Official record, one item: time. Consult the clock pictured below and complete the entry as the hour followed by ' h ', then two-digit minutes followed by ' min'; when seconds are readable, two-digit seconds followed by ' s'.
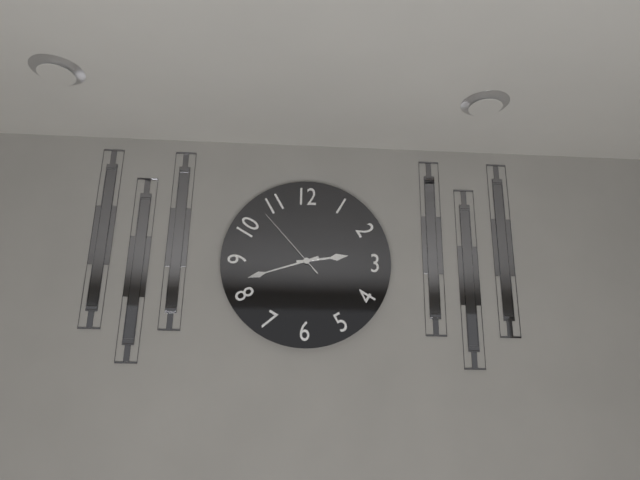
2 h 42 min 53 s
